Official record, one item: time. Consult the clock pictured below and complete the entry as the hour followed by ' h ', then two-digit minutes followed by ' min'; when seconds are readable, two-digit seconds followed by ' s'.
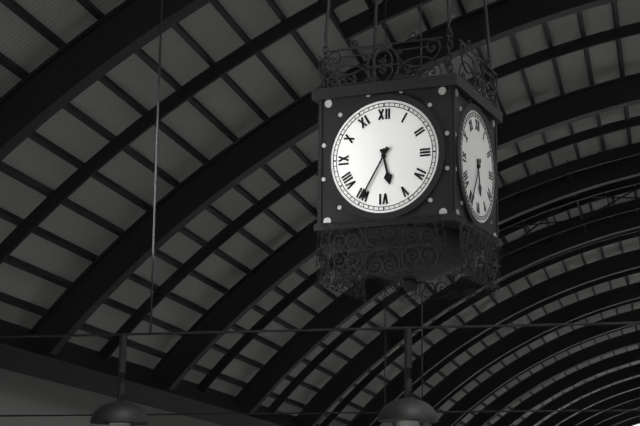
5 h 35 min
